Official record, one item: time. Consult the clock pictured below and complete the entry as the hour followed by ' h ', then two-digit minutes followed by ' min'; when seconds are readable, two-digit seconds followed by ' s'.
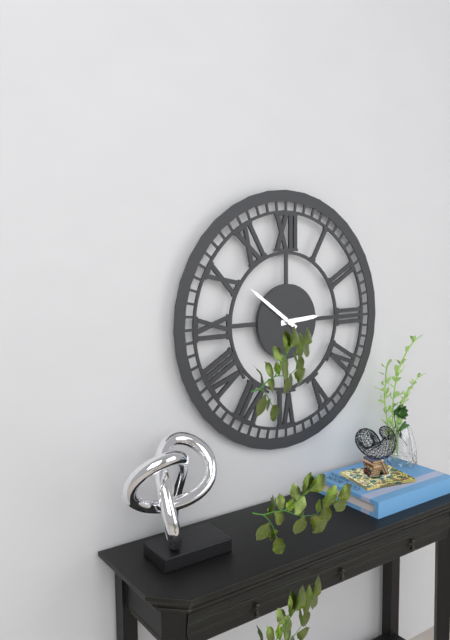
2 h 51 min
